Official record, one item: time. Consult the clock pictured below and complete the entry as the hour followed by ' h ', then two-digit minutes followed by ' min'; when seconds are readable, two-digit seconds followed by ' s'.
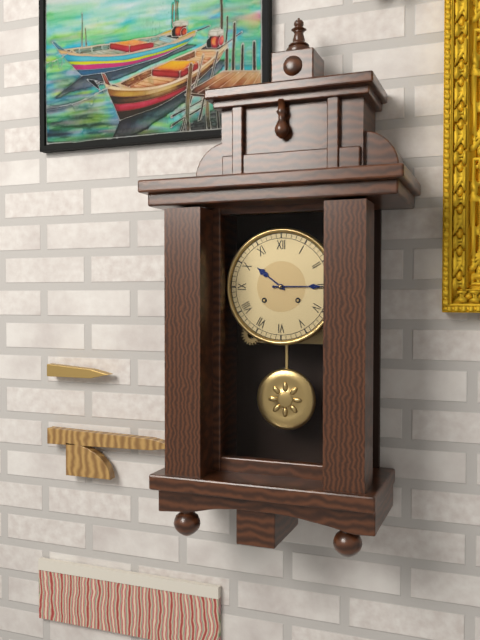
10 h 15 min
